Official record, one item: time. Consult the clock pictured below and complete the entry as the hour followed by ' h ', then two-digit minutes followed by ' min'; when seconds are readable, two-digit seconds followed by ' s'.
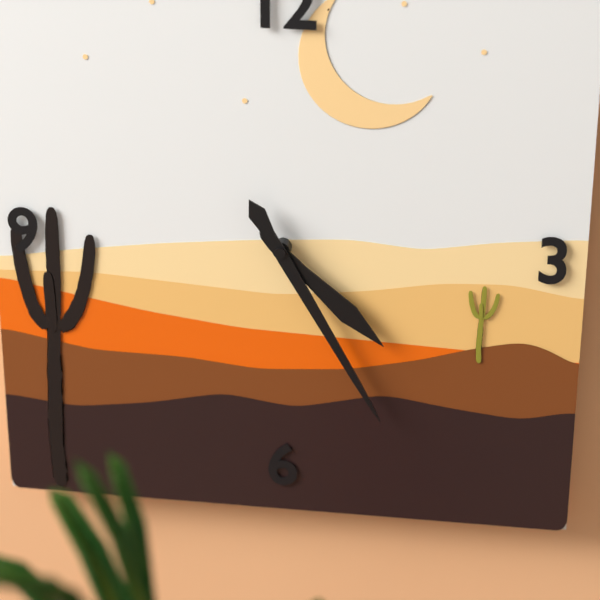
4 h 25 min
